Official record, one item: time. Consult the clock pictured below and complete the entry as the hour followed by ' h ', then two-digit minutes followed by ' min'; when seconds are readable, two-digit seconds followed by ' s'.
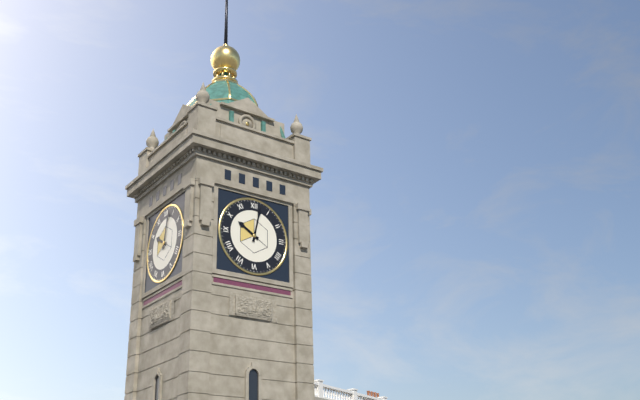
10 h 02 min
